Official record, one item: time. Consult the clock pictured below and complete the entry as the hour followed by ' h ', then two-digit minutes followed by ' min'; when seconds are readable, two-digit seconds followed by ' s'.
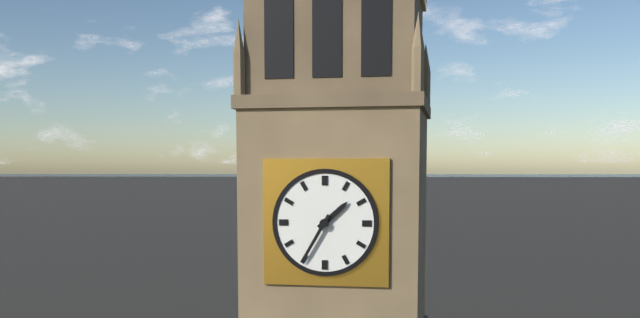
1 h 35 min
